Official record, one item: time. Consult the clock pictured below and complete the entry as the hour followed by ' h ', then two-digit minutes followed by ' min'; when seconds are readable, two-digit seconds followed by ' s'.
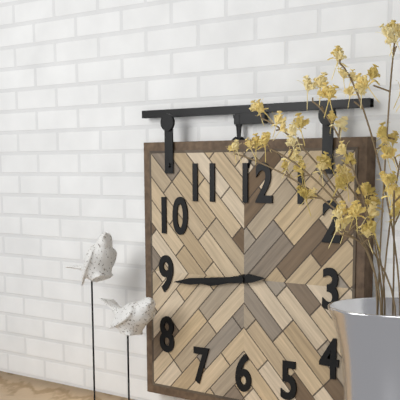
8 h 44 min
